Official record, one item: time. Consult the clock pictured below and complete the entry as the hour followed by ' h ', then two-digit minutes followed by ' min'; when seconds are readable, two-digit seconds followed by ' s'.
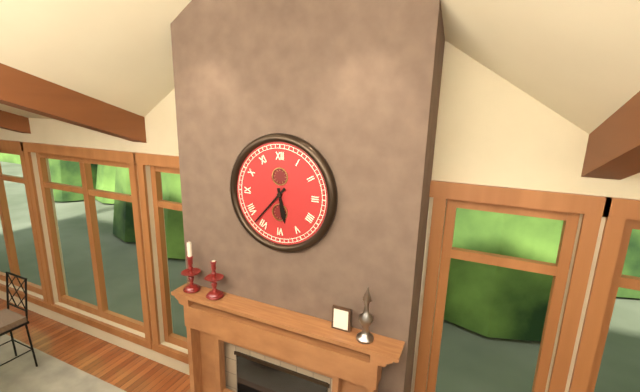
5 h 37 min
